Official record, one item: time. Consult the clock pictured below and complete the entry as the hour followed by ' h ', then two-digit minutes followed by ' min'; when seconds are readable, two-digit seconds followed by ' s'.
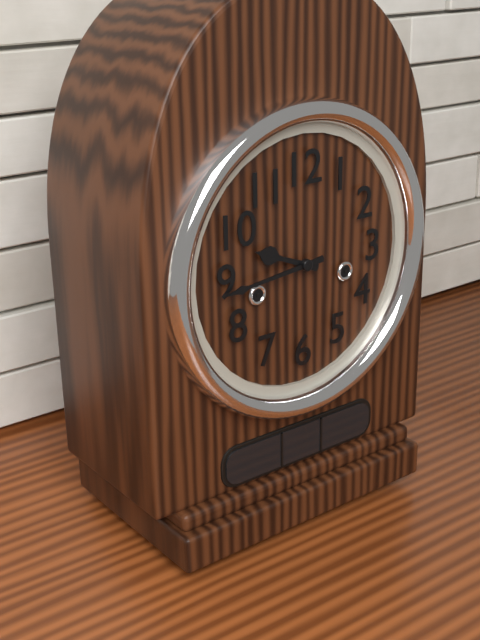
9 h 44 min
